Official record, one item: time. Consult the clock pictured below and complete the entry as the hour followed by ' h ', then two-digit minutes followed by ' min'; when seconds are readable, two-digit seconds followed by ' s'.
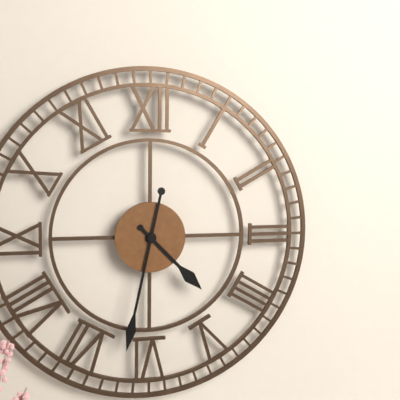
4 h 32 min
